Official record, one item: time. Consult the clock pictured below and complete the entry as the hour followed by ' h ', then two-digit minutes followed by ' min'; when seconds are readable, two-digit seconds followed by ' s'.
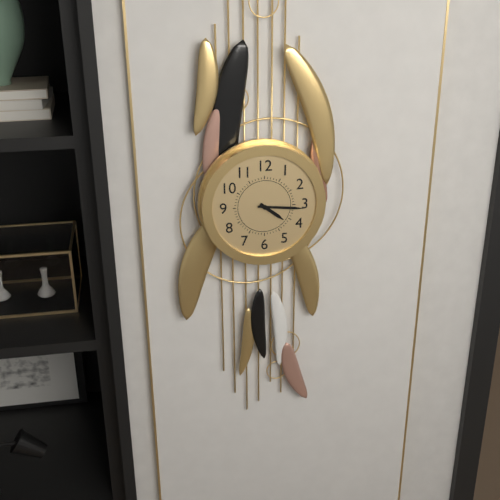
4 h 16 min
